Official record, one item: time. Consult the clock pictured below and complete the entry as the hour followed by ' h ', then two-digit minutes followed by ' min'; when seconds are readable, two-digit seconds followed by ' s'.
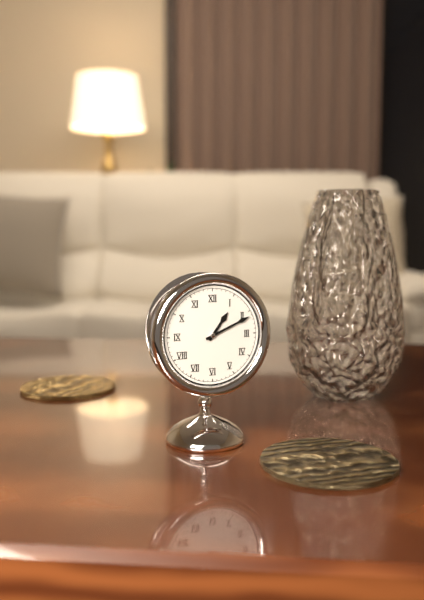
1 h 11 min
